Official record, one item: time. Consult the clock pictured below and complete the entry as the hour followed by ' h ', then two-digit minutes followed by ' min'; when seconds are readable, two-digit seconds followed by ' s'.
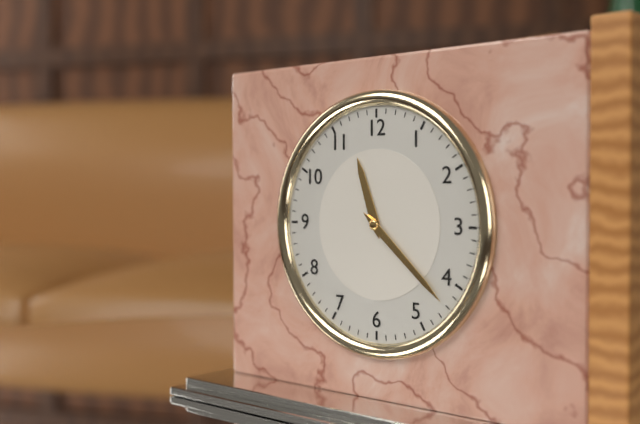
11 h 22 min
